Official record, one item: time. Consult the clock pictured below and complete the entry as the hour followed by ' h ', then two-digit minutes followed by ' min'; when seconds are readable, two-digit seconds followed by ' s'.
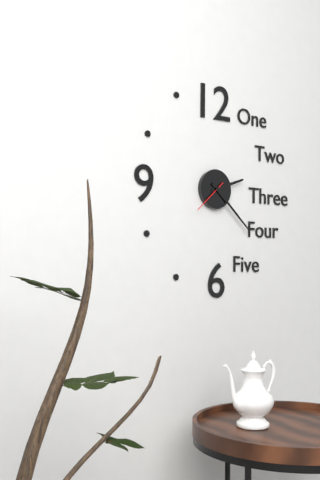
2 h 22 min
